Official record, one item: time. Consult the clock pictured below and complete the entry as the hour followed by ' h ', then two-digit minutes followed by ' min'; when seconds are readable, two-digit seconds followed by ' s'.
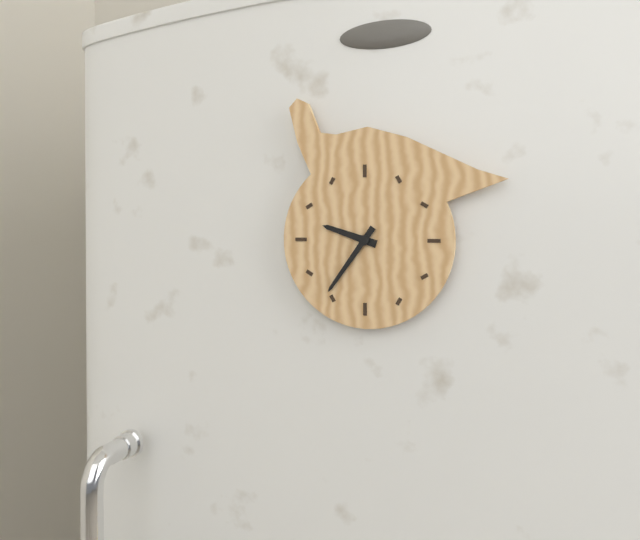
9 h 36 min
